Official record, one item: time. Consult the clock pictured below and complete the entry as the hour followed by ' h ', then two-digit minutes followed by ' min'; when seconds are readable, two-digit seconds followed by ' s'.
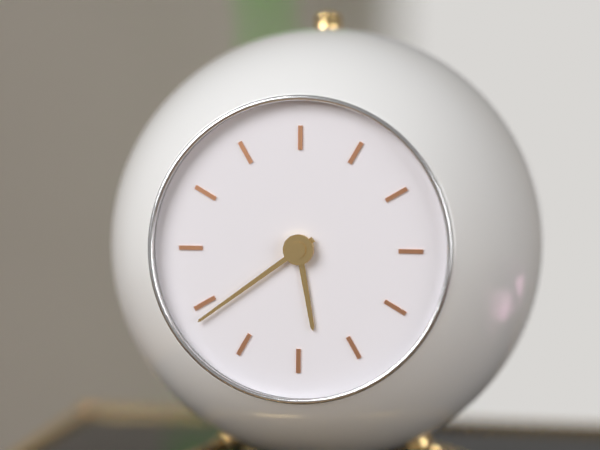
5 h 39 min
